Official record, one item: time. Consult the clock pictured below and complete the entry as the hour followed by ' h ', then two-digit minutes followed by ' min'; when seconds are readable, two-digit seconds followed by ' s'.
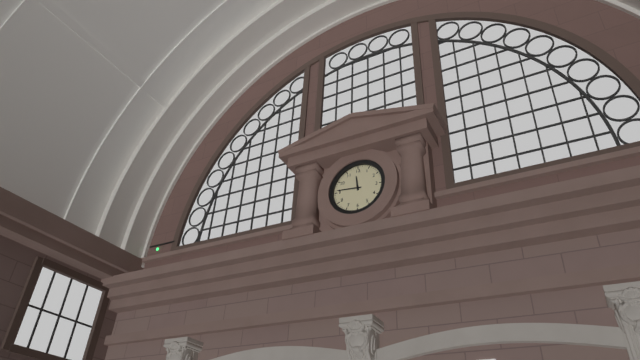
11 h 46 min
